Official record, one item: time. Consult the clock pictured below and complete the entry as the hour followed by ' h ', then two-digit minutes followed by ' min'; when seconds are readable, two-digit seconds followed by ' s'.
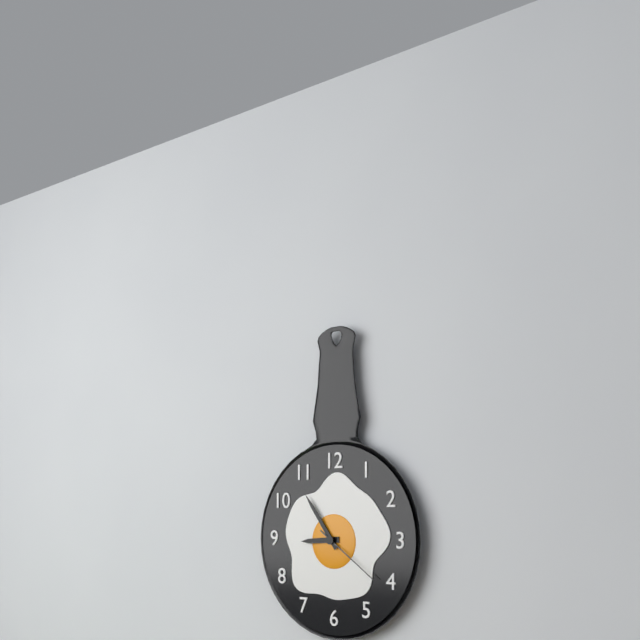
8 h 54 min 21 s
